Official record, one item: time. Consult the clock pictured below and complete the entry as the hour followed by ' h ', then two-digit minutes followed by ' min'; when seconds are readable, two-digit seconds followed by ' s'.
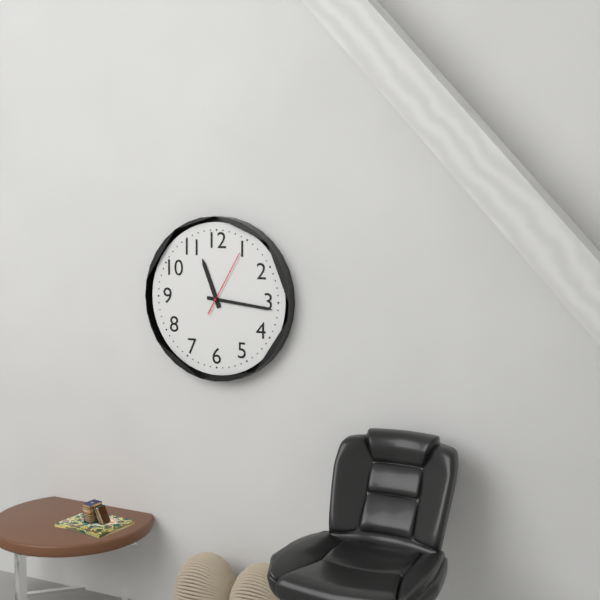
11 h 16 min 05 s
